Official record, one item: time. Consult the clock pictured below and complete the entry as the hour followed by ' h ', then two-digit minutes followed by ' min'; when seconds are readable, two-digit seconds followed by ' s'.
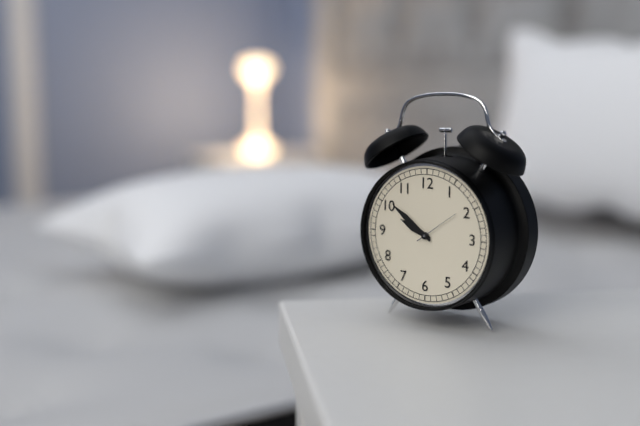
9 h 51 min
